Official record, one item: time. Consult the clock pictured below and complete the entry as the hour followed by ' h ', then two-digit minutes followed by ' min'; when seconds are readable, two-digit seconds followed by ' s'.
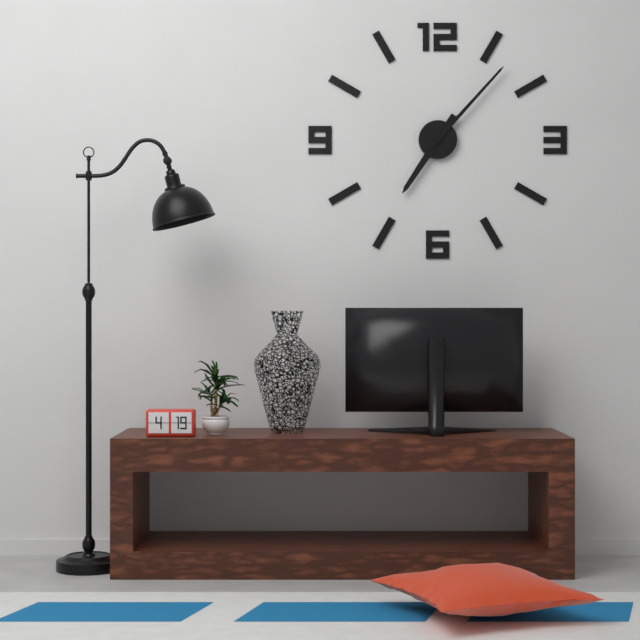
7 h 07 min
